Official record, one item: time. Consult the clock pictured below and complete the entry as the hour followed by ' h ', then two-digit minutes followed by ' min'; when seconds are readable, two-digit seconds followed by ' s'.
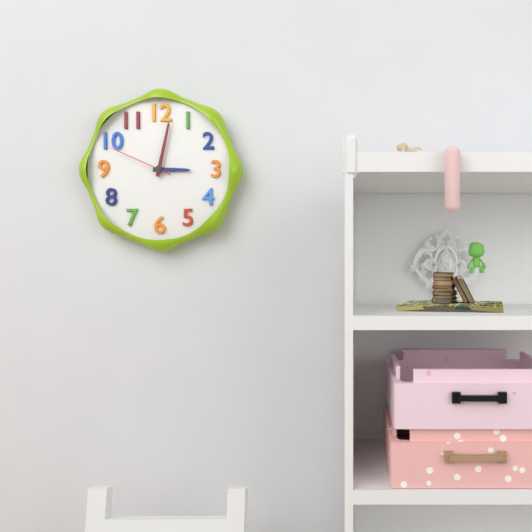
3 h 02 min 49 s
